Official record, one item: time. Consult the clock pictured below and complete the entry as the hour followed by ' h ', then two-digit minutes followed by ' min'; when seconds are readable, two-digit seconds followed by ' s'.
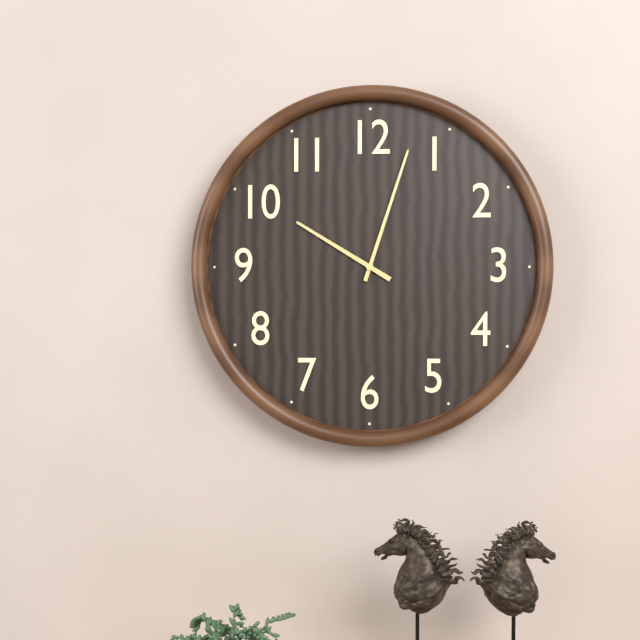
10 h 03 min
